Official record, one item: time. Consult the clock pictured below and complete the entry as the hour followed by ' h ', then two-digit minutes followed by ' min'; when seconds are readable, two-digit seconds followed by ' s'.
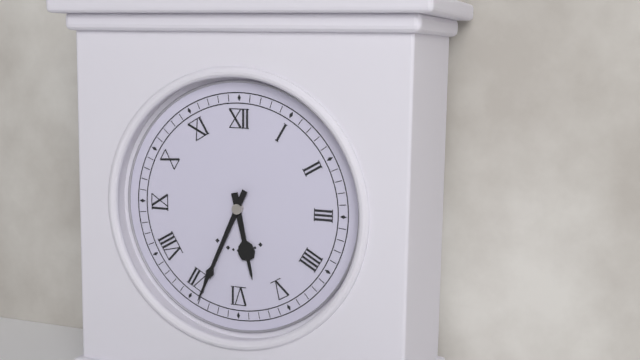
5 h 34 min
